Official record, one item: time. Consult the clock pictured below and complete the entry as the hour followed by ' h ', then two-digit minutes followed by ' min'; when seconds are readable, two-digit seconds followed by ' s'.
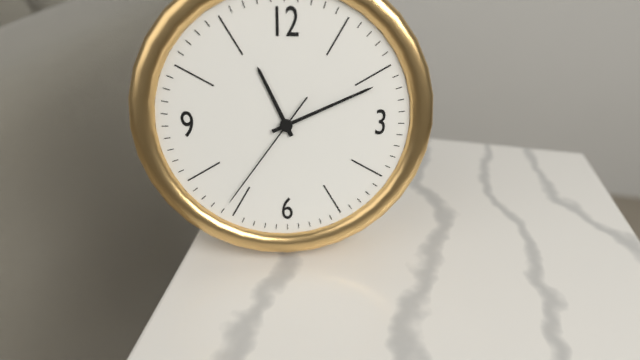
11 h 11 min 36 s
